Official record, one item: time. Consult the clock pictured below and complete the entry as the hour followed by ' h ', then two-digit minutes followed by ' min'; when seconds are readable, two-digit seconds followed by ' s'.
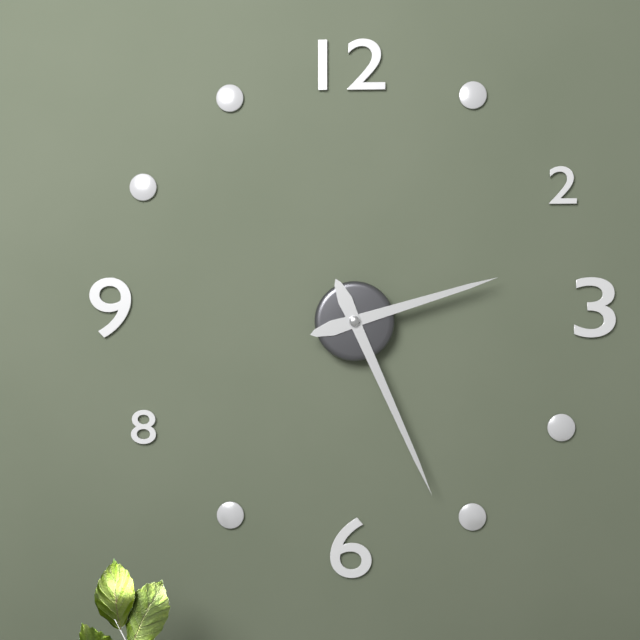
2 h 26 min
